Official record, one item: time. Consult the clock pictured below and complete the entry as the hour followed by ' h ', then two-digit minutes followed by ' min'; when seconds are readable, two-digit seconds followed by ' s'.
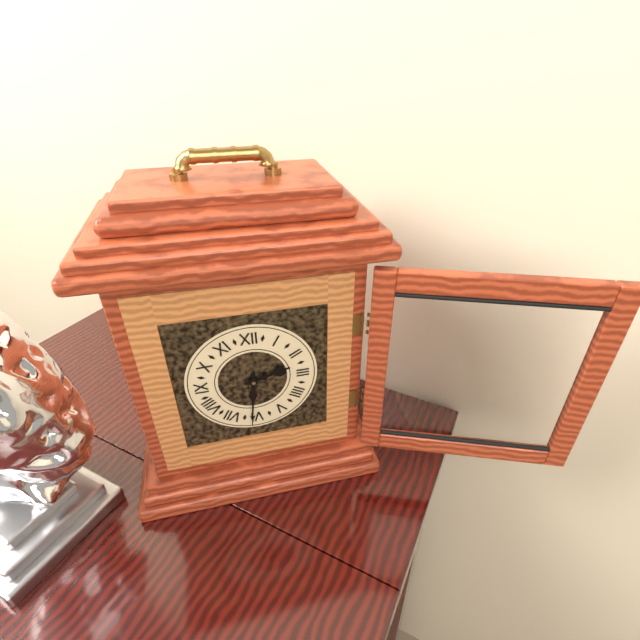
2 h 31 min
